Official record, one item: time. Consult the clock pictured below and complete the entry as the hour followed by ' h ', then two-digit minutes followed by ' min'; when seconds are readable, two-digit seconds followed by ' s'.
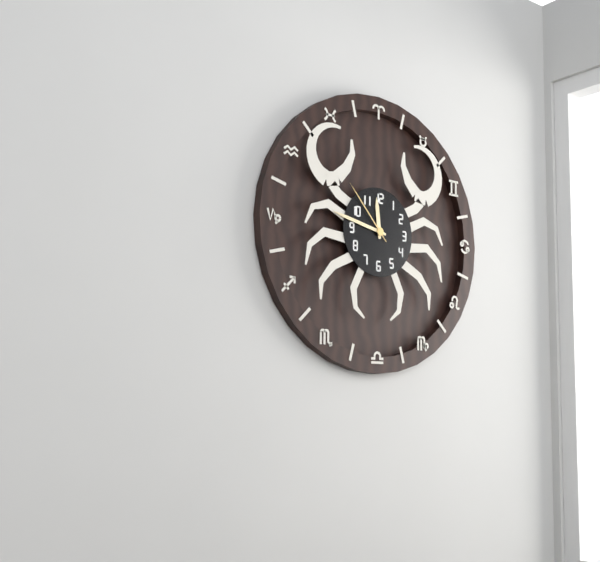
11 h 47 min 53 s
